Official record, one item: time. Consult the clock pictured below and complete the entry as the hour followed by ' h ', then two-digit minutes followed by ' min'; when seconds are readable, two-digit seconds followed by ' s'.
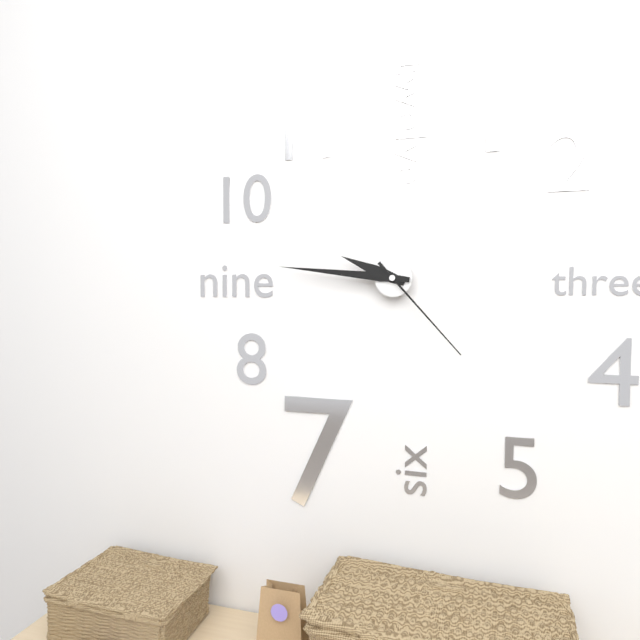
9 h 46 min 23 s
